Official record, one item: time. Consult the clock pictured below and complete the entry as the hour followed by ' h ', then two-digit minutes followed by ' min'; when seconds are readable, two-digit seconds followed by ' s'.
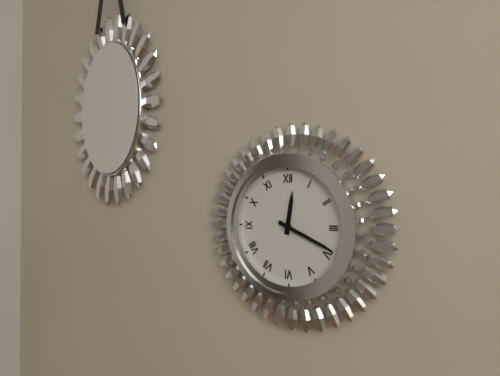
12 h 19 min
